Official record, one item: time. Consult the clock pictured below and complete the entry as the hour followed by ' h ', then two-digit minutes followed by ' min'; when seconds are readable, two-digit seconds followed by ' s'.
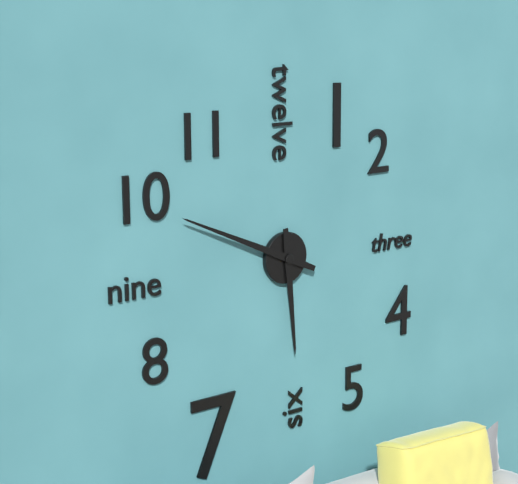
5 h 49 min
